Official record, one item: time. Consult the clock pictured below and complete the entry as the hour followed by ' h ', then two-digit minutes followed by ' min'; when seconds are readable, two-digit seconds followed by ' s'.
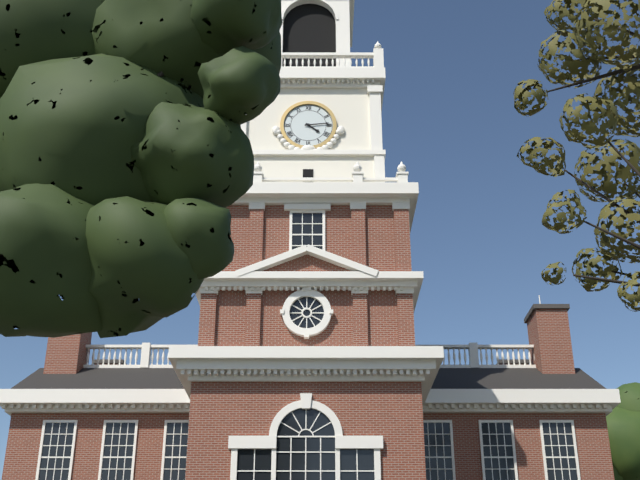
4 h 14 min
